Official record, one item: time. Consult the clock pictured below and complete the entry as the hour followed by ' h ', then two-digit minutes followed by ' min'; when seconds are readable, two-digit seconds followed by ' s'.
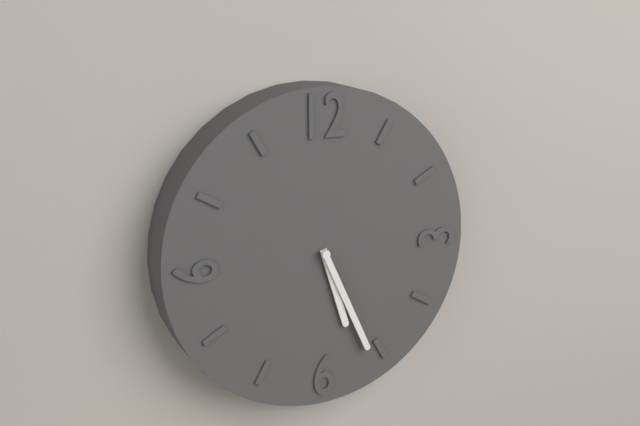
5 h 26 min
